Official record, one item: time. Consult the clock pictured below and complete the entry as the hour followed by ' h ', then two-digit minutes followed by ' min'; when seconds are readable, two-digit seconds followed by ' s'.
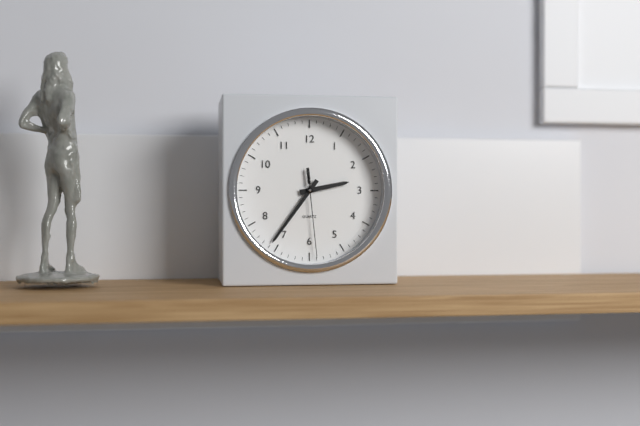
2 h 36 min 29 s
